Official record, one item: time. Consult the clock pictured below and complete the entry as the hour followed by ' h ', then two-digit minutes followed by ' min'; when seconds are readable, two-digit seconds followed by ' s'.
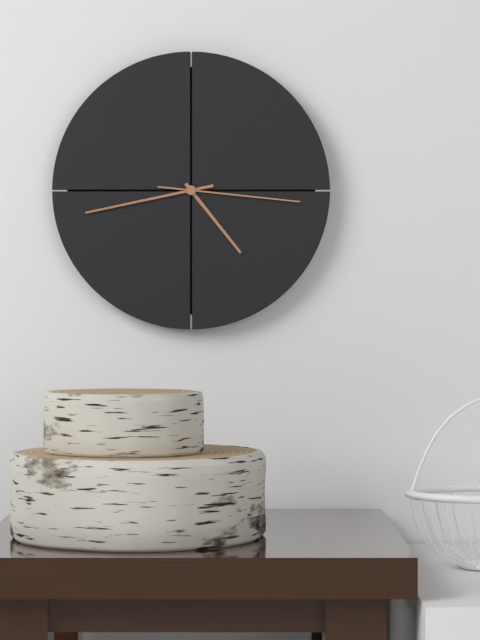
4 h 43 min 16 s
